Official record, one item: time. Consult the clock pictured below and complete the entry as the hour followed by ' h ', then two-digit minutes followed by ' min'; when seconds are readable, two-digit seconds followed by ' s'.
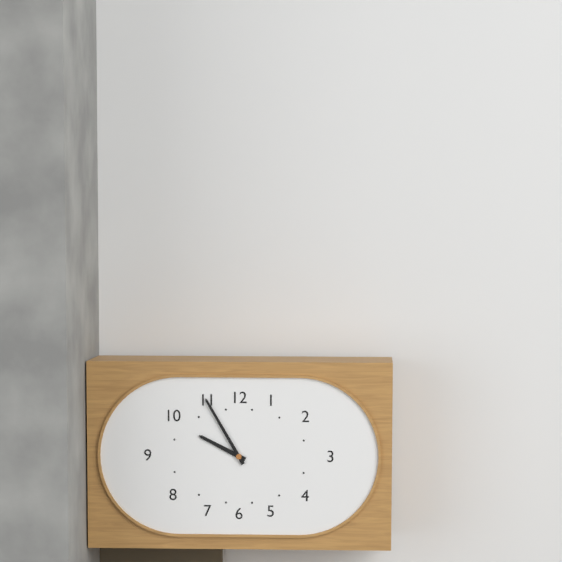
9 h 55 min
